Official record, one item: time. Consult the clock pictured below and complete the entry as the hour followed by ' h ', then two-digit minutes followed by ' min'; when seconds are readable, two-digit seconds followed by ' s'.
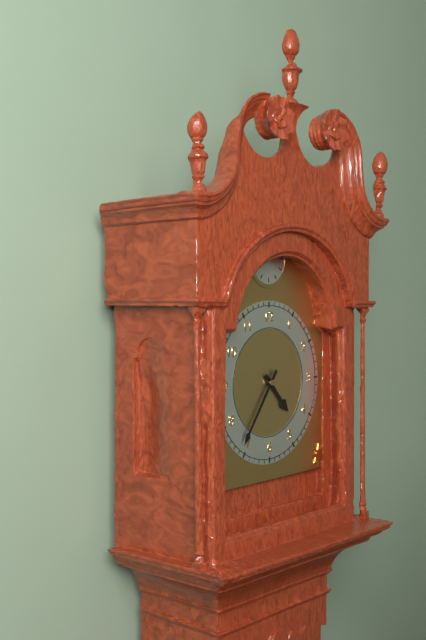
4 h 36 min
